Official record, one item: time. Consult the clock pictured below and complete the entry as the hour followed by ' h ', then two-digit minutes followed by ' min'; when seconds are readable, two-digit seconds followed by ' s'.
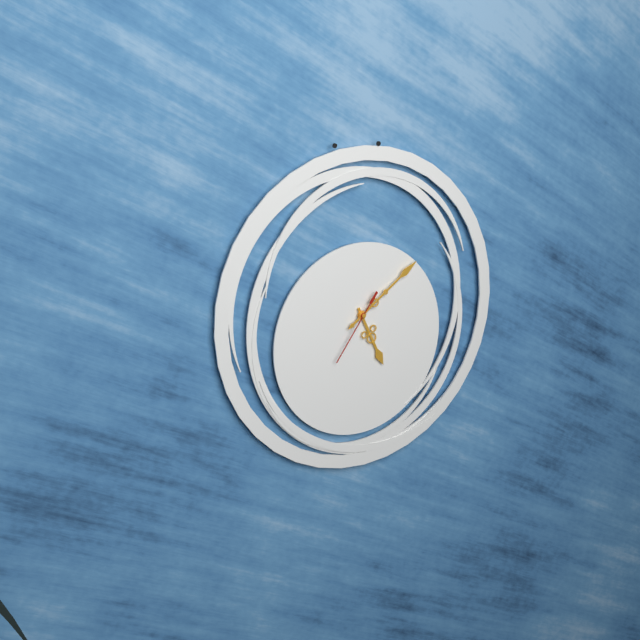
5 h 09 min 36 s
